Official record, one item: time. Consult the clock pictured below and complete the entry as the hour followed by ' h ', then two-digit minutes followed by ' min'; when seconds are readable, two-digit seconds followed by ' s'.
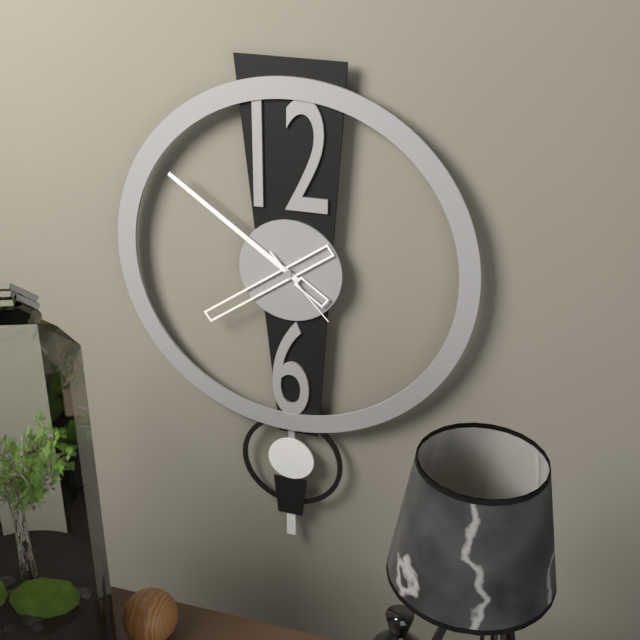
7 h 51 min 23 s
